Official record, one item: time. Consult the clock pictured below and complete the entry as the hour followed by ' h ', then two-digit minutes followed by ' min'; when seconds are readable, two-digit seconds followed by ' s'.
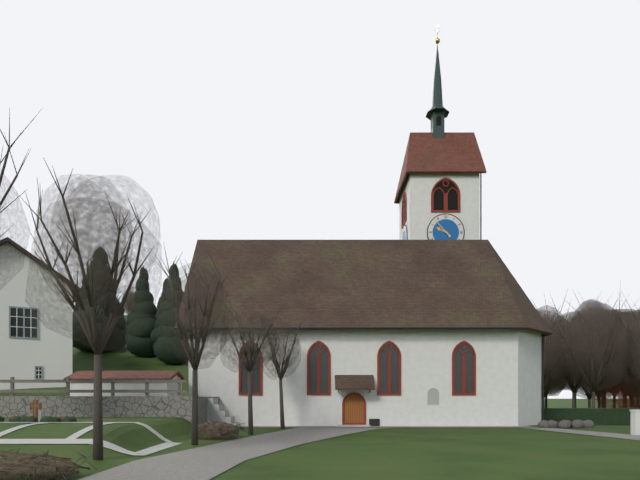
9 h 53 min
